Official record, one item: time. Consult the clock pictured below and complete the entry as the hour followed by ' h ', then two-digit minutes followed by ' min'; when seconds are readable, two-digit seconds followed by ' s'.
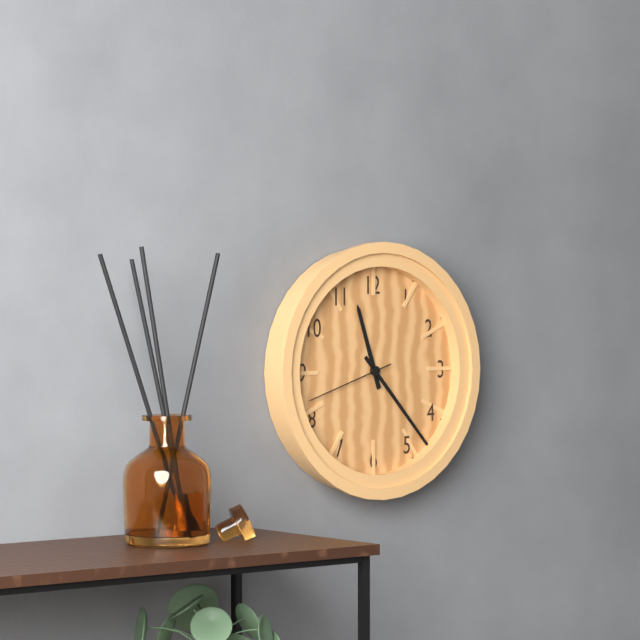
11 h 23 min 42 s
